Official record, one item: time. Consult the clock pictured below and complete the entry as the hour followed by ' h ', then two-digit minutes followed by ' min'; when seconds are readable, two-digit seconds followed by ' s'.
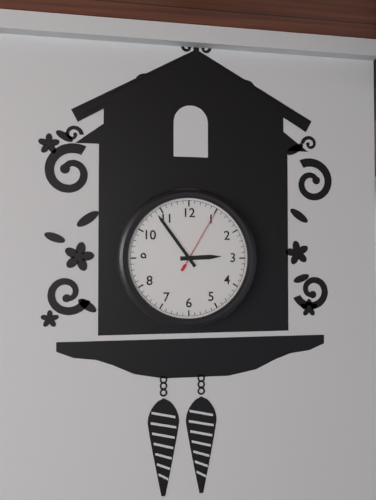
2 h 54 min 05 s
